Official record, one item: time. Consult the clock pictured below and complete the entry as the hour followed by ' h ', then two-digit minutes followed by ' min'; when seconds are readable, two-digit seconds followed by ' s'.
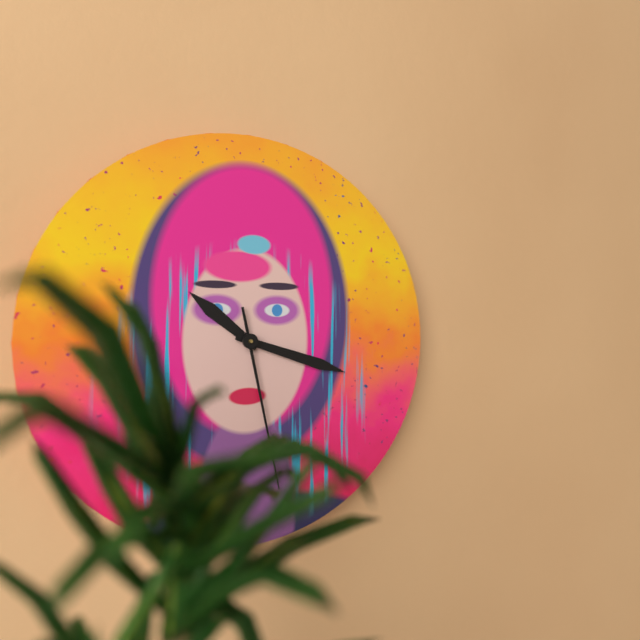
10 h 18 min 28 s
